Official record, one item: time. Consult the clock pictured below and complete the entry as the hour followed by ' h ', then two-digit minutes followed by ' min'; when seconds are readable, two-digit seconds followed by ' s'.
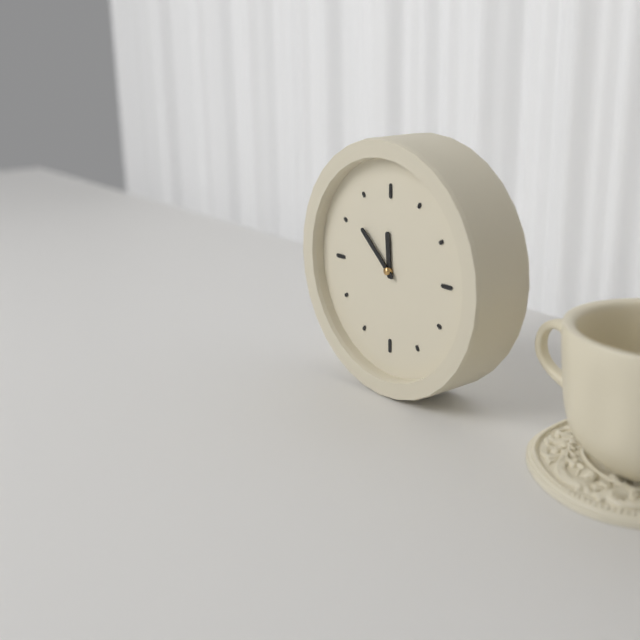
11 h 52 min
